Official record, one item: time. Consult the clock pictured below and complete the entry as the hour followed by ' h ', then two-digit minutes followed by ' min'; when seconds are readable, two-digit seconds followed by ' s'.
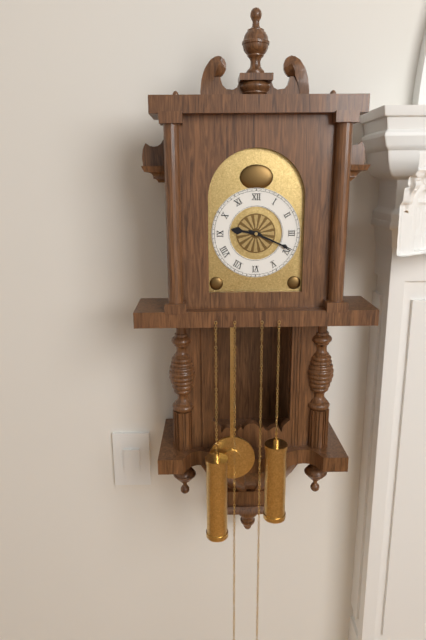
9 h 19 min
